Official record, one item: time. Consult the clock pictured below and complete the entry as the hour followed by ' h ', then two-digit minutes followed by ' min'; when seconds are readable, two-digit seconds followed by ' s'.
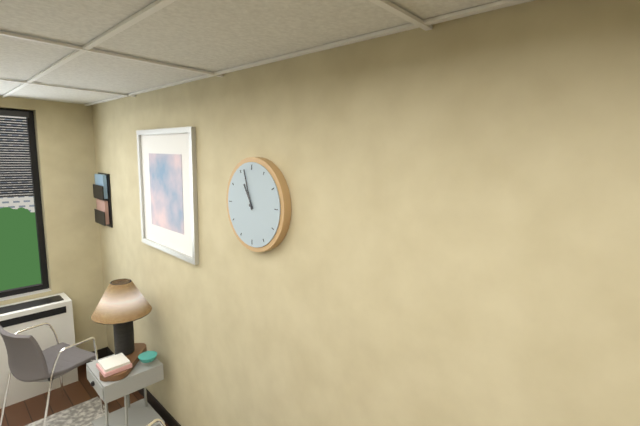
10 h 57 min
